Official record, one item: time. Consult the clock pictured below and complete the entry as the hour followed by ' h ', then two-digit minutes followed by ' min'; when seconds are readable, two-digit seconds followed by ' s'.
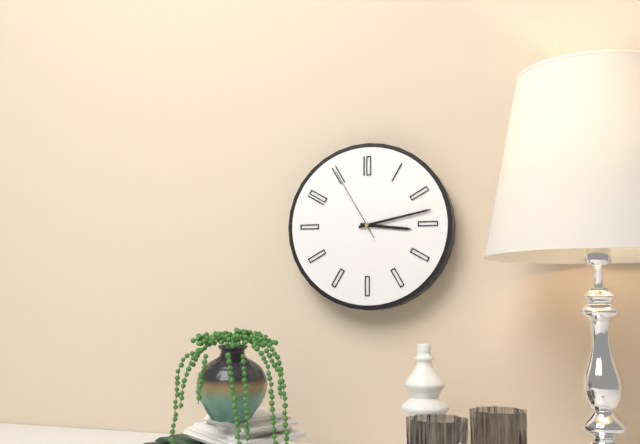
3 h 13 min 55 s
